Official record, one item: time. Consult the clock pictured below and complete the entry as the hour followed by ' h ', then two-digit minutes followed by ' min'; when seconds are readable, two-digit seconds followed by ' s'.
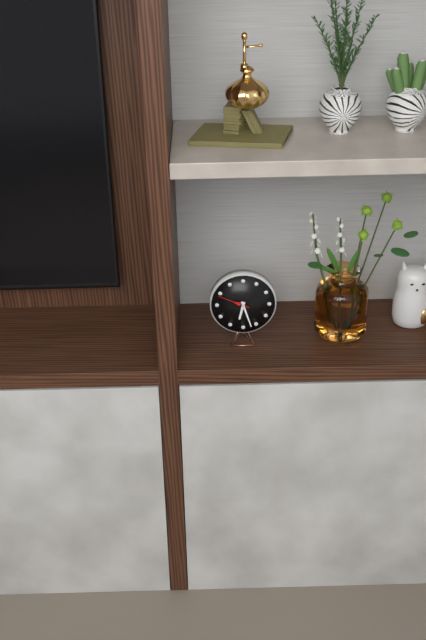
6 h 27 min
